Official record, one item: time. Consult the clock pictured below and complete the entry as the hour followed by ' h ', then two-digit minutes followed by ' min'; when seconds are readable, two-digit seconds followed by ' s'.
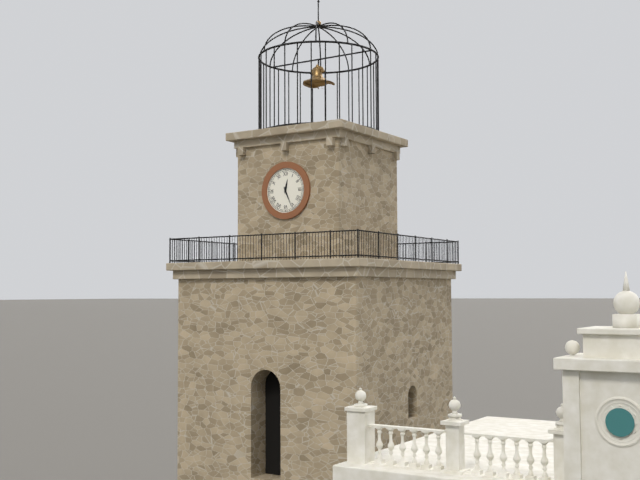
12 h 26 min
